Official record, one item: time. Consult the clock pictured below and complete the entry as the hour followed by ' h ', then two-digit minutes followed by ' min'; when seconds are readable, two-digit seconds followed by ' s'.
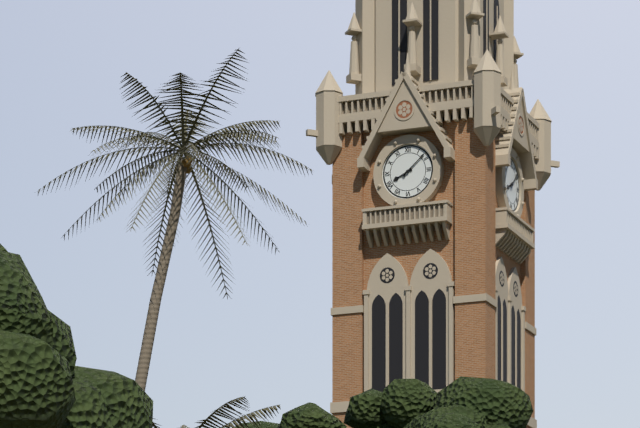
8 h 08 min
